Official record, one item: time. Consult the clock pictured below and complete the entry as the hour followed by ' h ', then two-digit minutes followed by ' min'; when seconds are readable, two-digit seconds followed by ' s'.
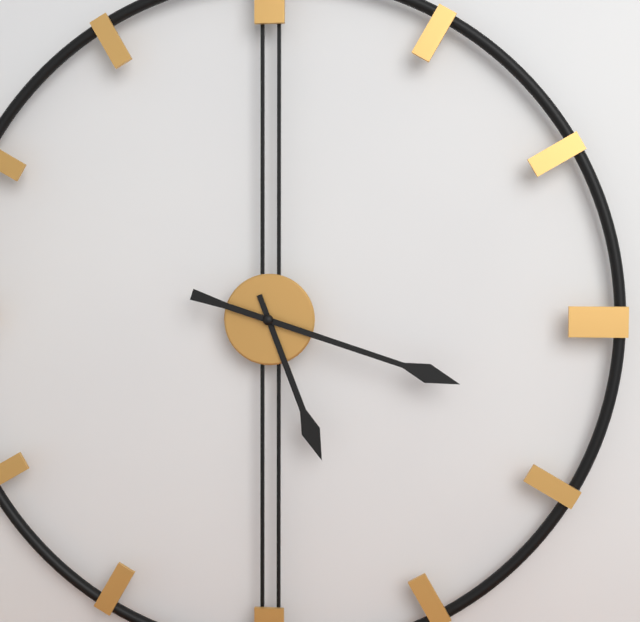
5 h 18 min
